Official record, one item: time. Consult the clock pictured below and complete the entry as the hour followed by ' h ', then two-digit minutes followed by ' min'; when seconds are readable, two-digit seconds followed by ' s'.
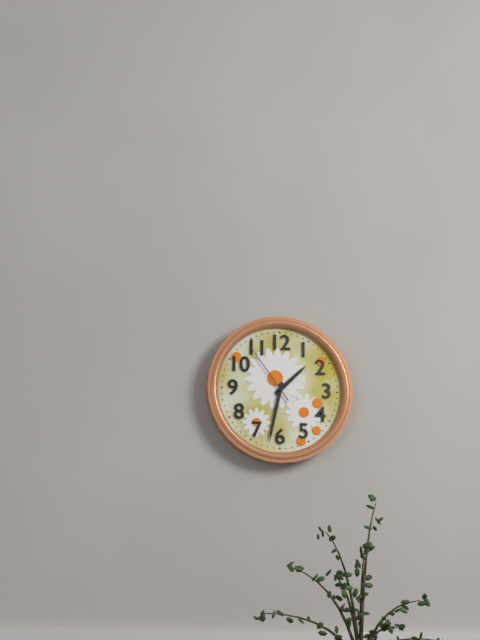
1 h 32 min 54 s
